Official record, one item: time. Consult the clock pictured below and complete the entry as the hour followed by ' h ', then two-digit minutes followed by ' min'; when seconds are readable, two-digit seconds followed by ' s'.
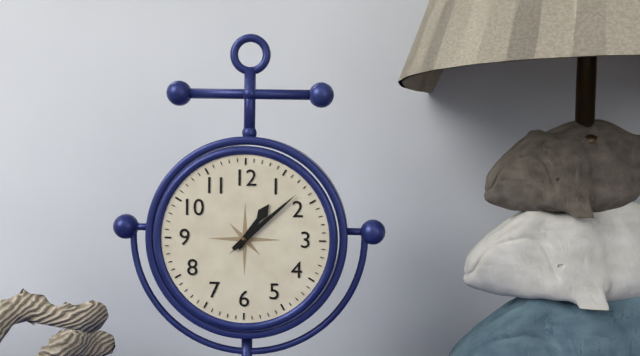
1 h 08 min
